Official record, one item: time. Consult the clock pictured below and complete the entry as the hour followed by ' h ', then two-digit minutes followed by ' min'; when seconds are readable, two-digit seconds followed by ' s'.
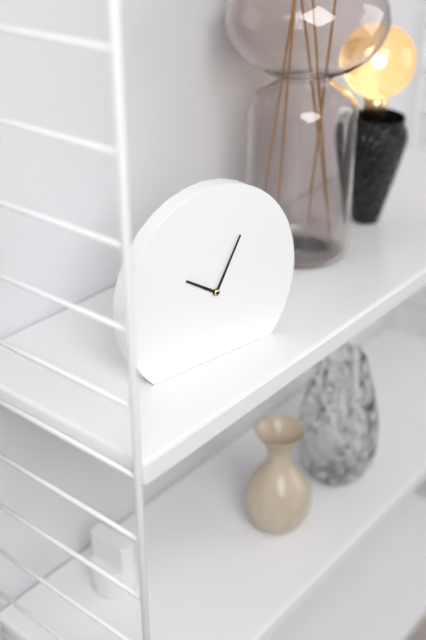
10 h 05 min
